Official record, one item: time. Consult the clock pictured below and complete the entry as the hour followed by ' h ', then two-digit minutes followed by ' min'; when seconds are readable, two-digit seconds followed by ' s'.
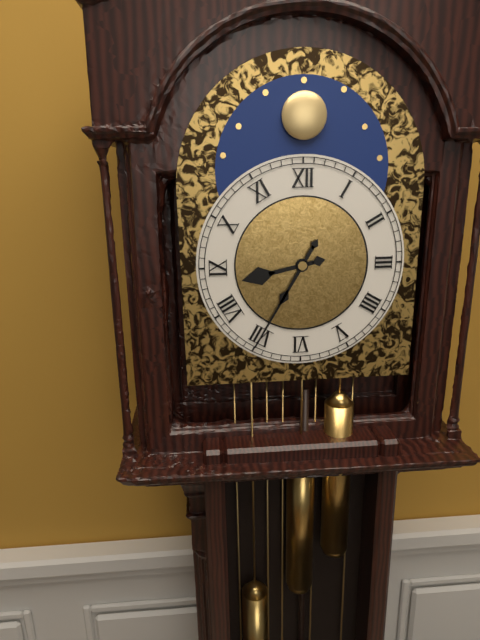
8 h 35 min
